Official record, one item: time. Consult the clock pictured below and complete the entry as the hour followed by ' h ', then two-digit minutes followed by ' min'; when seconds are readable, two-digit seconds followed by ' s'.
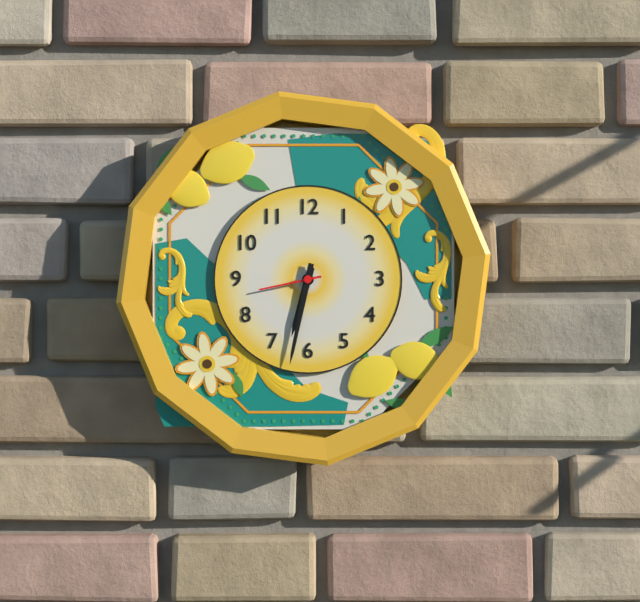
6 h 32 min 43 s
